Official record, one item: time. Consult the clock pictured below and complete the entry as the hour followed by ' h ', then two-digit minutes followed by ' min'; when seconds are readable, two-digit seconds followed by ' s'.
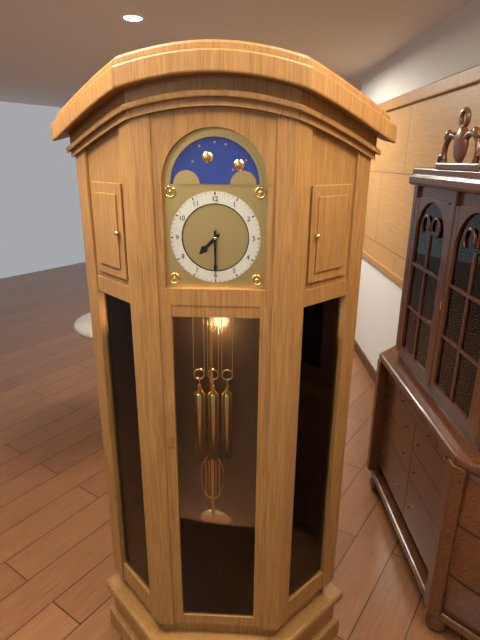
7 h 30 min
